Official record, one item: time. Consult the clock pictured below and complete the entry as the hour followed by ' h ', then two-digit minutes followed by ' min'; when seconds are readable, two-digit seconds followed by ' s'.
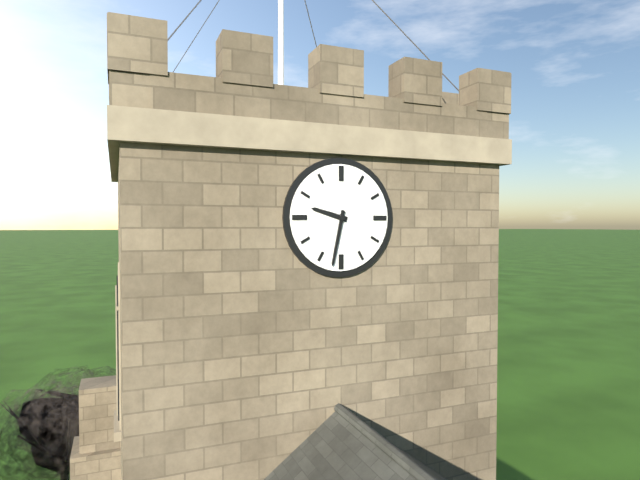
9 h 32 min
